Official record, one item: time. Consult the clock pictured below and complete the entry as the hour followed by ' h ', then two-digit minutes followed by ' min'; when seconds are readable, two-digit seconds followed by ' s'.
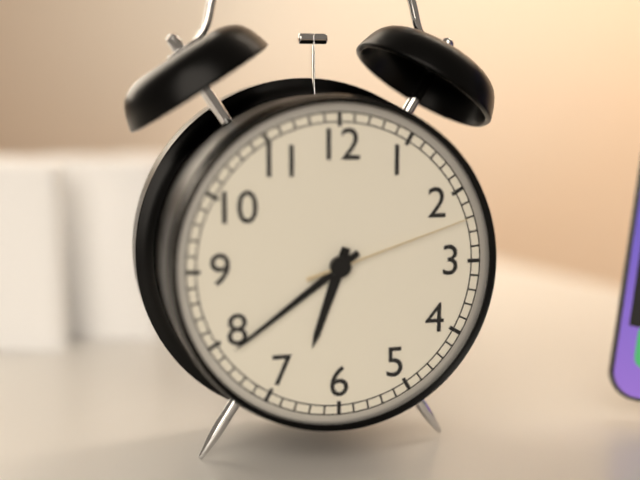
6 h 39 min 12 s
